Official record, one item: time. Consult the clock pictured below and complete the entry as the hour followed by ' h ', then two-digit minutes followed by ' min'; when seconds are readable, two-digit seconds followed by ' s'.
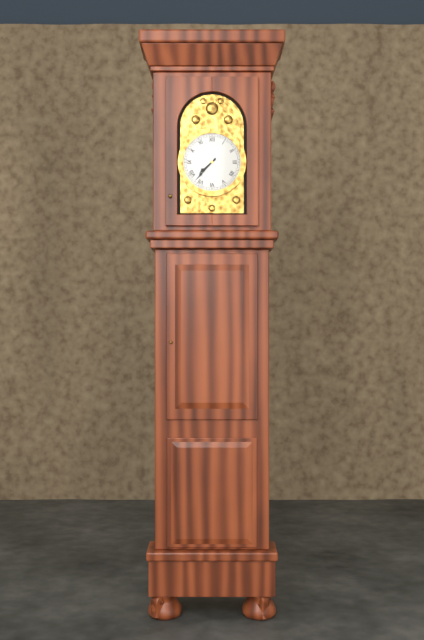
7 h 37 min
